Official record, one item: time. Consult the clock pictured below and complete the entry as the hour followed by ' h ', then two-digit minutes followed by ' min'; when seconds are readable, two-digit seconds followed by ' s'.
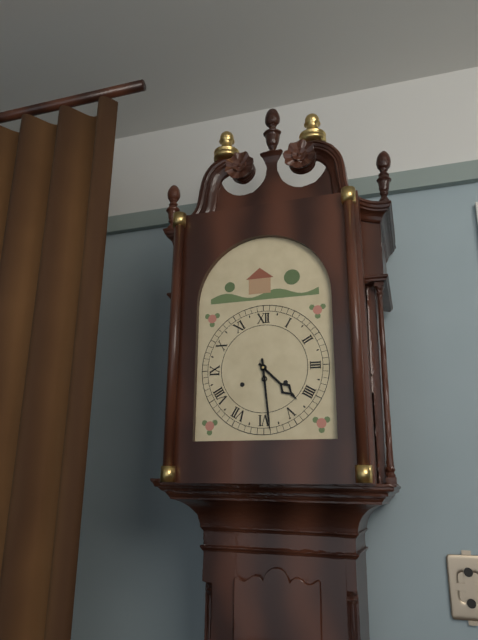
4 h 29 min
